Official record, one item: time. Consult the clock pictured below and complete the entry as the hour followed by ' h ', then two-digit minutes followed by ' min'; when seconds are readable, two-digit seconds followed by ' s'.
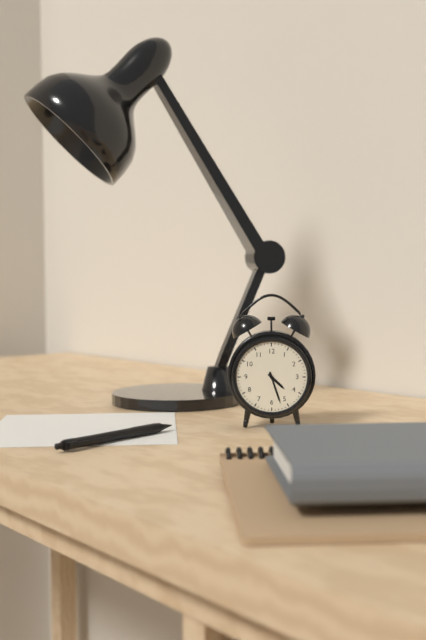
4 h 27 min
